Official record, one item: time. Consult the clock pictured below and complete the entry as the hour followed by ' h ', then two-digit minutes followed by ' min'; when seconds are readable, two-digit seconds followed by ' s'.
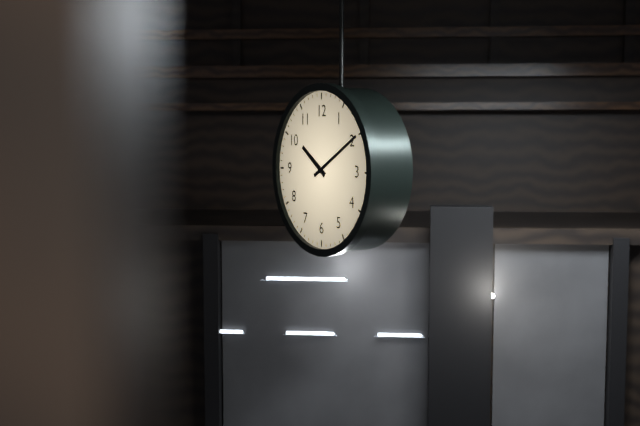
10 h 10 min
